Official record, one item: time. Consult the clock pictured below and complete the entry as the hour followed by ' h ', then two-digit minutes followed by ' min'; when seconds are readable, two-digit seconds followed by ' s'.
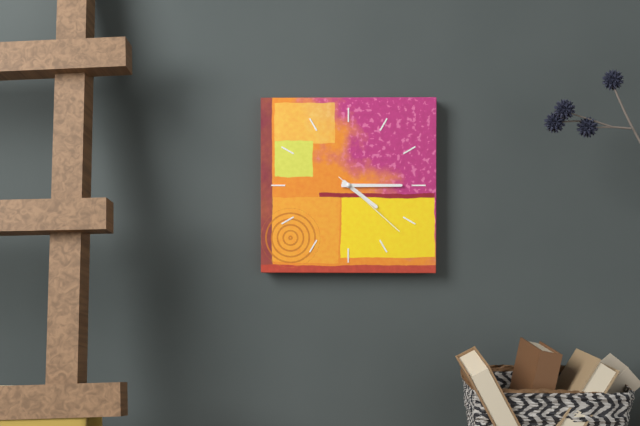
4 h 15 min 22 s
